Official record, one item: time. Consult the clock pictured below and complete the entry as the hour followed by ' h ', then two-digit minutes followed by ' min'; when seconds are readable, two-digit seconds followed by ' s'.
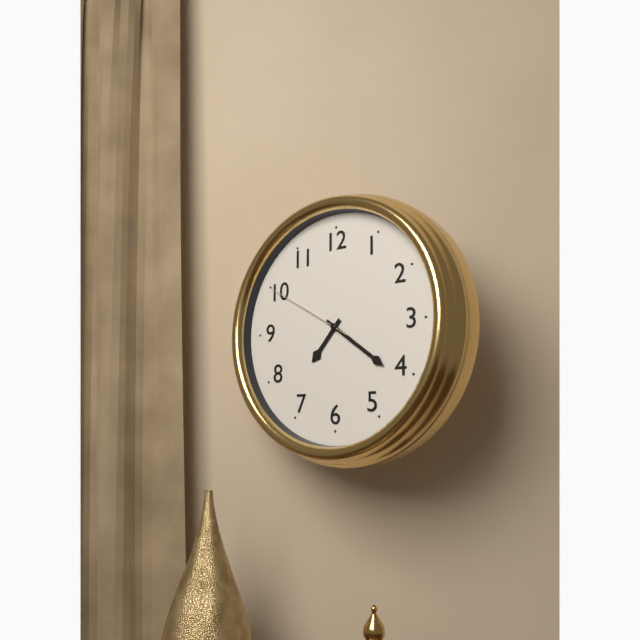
7 h 21 min 50 s
